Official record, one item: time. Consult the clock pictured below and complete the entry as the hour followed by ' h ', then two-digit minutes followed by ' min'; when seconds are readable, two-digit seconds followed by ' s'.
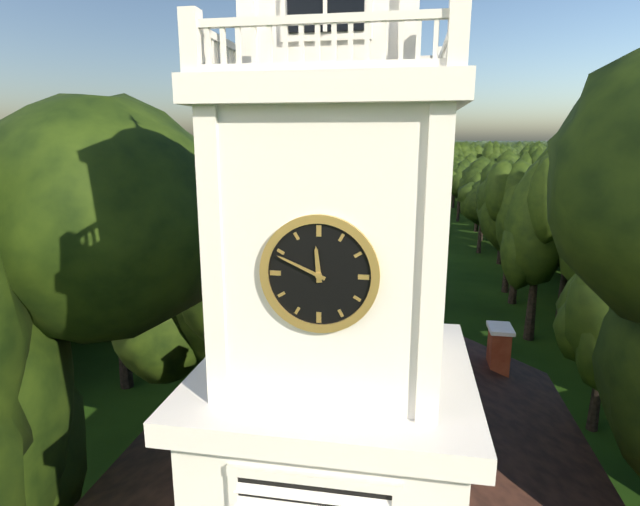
11 h 49 min
